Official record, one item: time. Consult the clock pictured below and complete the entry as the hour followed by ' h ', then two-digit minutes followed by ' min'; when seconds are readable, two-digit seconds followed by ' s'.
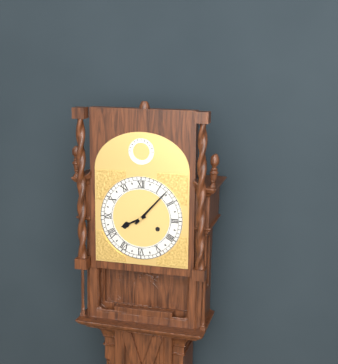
8 h 07 min
